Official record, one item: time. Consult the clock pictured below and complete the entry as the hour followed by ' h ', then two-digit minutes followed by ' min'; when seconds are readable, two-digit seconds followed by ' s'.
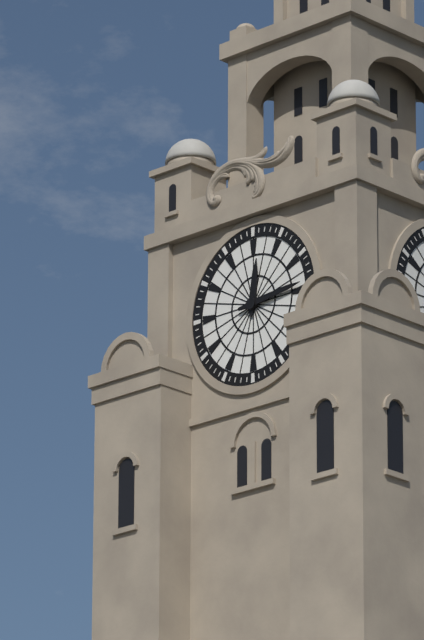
12 h 14 min
